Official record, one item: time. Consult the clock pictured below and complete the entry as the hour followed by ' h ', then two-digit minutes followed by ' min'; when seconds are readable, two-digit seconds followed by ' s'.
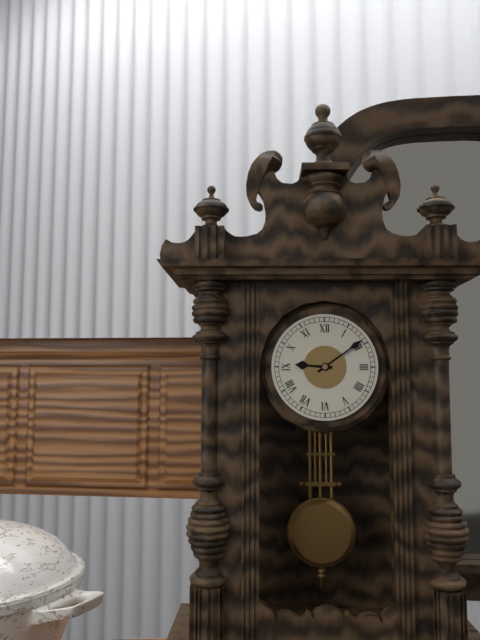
9 h 09 min
